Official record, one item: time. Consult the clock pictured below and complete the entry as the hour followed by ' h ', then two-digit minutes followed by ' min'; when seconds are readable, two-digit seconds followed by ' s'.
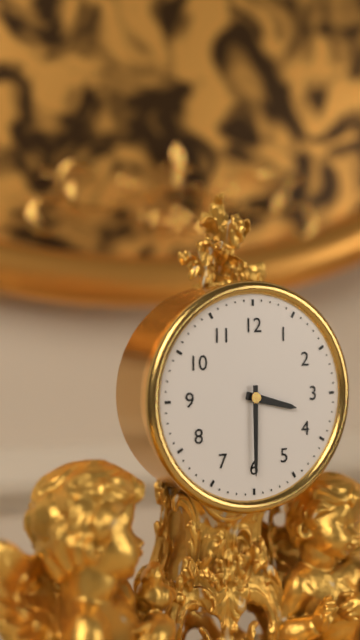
3 h 30 min
